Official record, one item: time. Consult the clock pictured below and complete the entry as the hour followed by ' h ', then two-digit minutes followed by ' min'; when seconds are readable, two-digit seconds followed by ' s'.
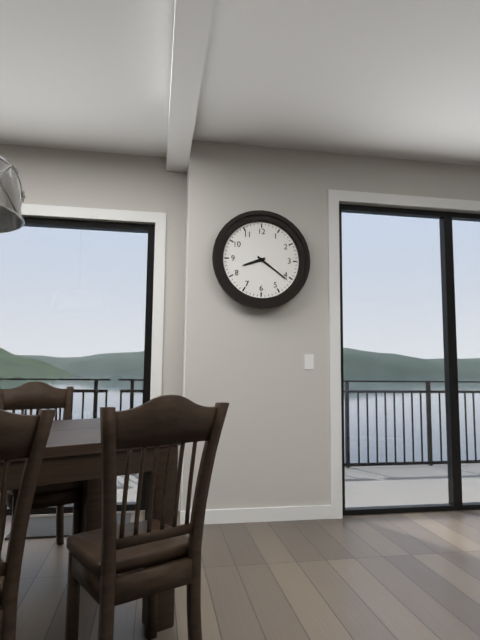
8 h 21 min
